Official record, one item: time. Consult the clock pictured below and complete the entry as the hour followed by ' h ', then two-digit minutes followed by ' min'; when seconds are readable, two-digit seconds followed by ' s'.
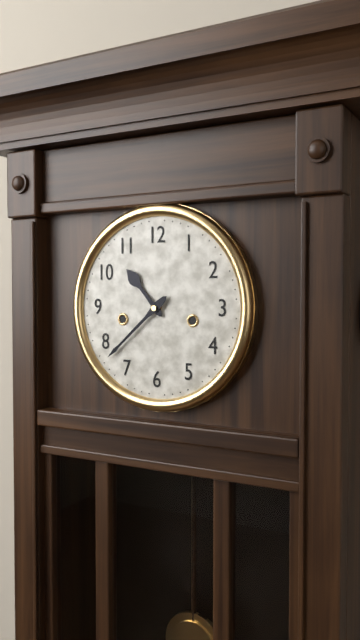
10 h 38 min
